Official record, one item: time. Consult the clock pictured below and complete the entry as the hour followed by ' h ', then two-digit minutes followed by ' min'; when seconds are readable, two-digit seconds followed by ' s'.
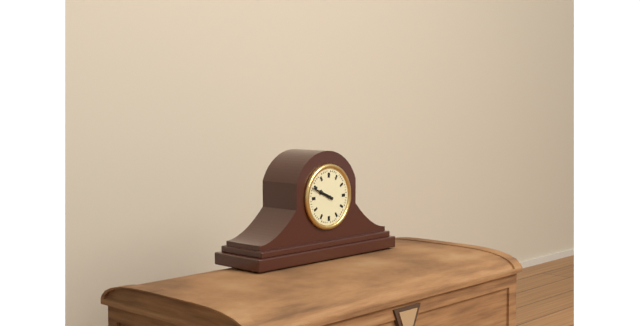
9 h 49 min
